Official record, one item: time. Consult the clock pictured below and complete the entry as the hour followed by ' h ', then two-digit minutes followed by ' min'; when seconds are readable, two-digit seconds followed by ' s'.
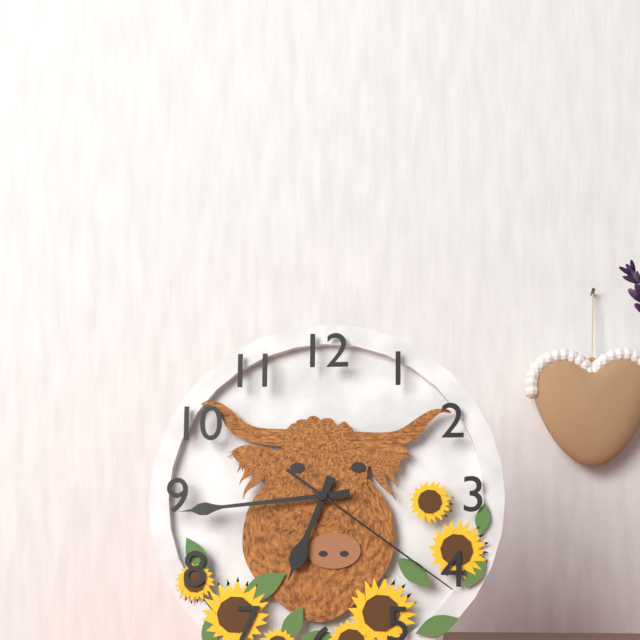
6 h 44 min 21 s
